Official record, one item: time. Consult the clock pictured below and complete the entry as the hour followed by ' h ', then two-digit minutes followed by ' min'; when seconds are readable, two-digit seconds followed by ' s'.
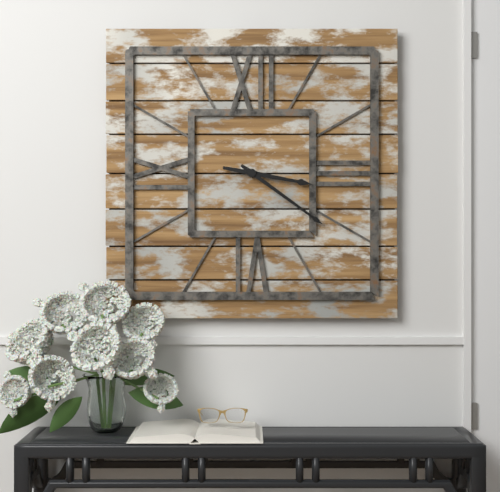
3 h 21 min
